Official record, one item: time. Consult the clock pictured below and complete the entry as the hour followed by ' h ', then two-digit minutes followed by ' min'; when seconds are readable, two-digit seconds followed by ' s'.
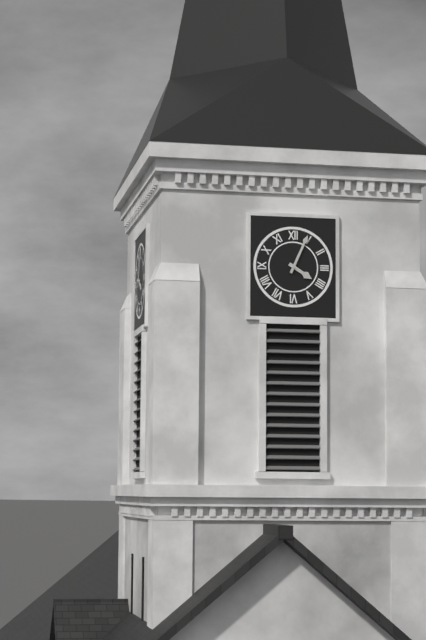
4 h 04 min
